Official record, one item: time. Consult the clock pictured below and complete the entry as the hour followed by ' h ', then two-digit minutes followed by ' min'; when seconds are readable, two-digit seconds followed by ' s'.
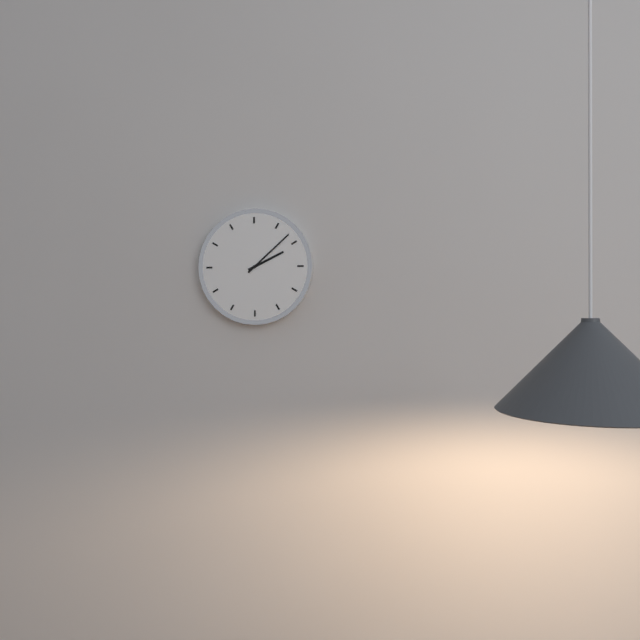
2 h 08 min
